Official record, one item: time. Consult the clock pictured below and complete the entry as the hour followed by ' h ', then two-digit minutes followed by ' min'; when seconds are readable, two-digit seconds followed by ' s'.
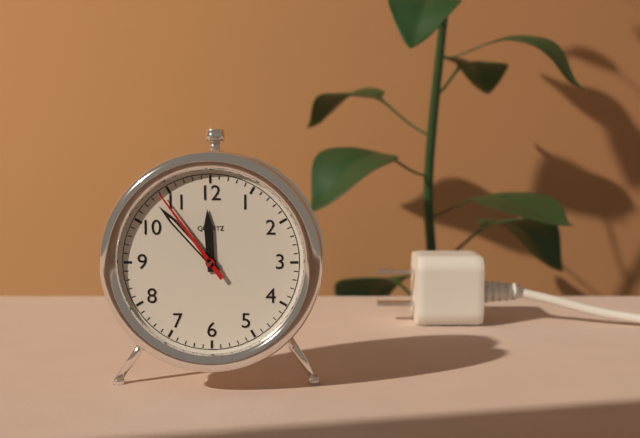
11 h 53 min 54 s
